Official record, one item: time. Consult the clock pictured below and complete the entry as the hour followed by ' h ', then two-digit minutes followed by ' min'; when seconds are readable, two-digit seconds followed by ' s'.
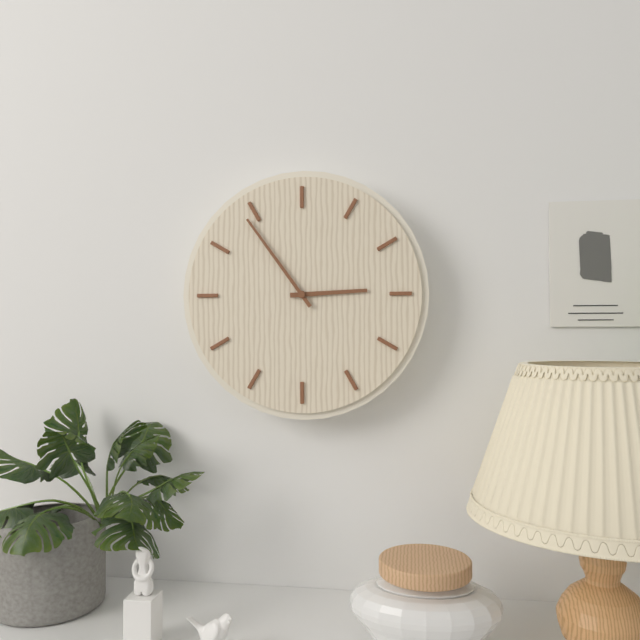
2 h 54 min
